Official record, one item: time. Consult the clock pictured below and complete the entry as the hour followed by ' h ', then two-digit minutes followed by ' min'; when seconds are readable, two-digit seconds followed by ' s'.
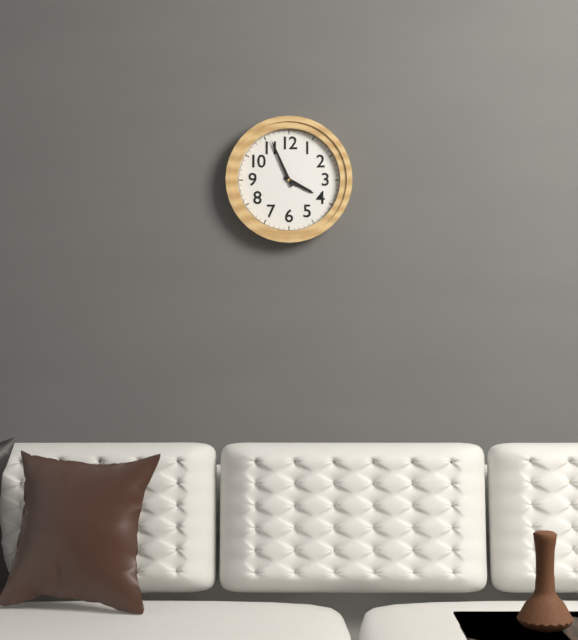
3 h 56 min
